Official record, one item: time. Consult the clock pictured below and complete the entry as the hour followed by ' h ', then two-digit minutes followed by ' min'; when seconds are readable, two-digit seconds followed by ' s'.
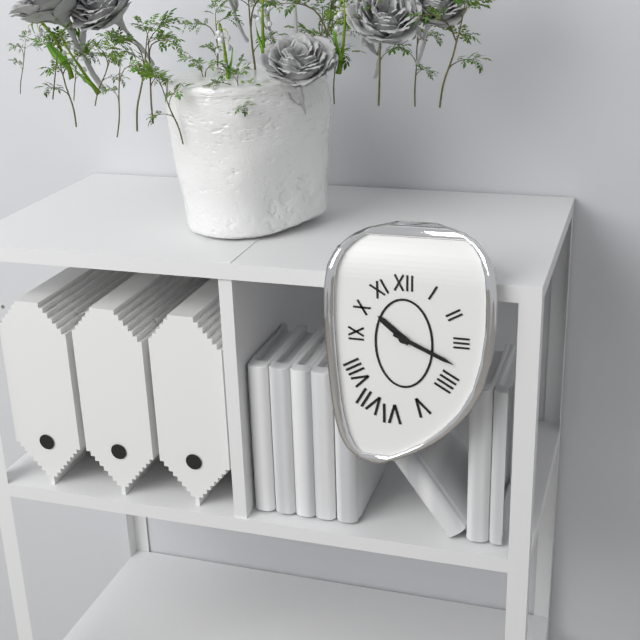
10 h 19 min
